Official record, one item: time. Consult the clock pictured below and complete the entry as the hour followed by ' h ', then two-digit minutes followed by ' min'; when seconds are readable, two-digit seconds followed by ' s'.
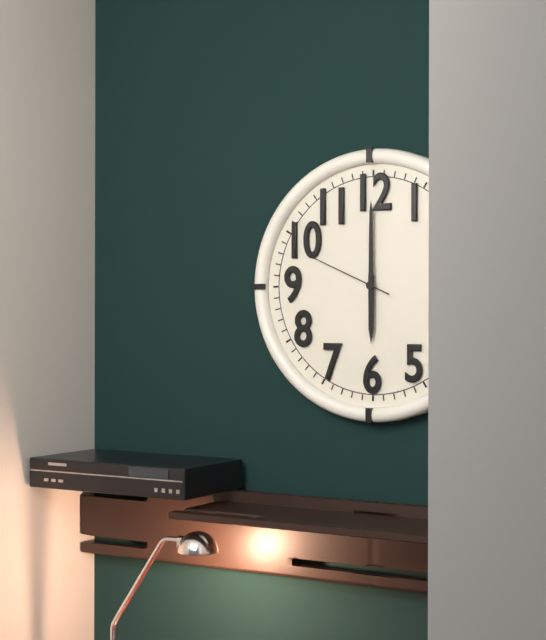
6 h 00 min 49 s
